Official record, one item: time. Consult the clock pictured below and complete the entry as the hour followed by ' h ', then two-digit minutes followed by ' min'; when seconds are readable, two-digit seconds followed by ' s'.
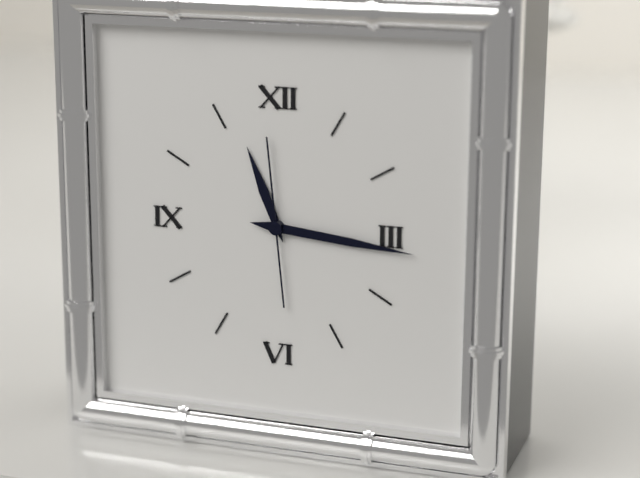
11 h 16 min 59 s
